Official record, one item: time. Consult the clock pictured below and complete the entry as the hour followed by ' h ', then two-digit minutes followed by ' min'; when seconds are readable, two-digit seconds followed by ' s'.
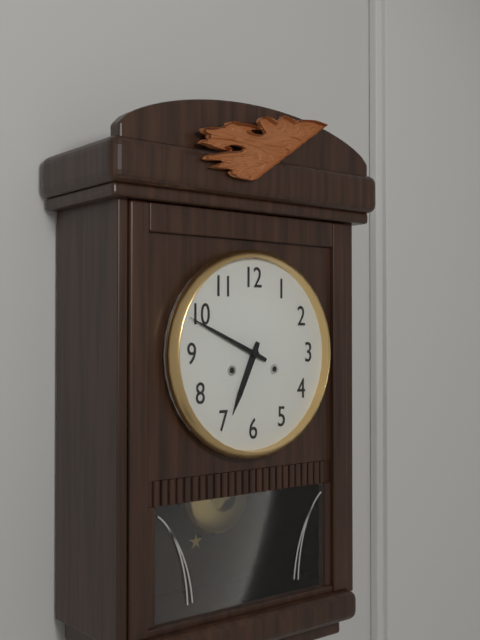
6 h 49 min
